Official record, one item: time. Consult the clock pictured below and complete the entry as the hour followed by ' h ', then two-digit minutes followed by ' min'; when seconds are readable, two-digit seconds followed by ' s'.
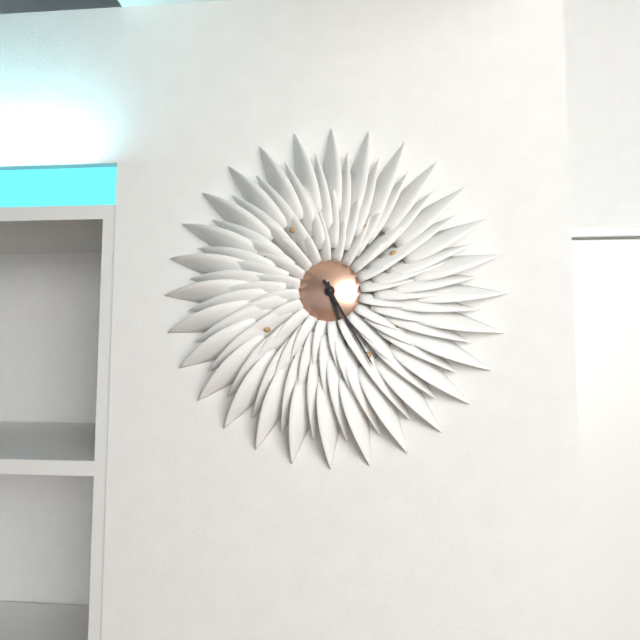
5 h 25 min
